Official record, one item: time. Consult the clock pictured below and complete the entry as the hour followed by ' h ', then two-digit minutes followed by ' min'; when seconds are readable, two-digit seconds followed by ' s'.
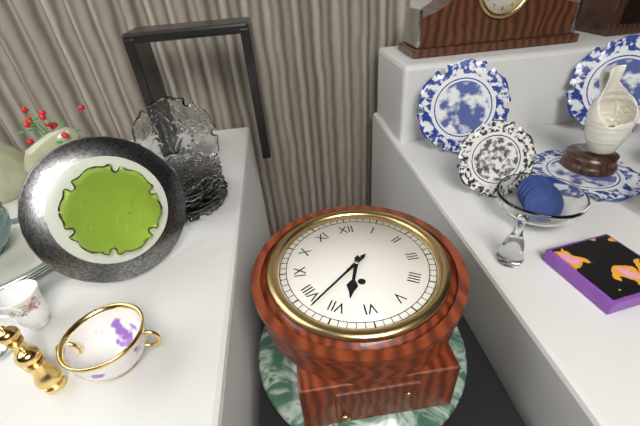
6 h 38 min
